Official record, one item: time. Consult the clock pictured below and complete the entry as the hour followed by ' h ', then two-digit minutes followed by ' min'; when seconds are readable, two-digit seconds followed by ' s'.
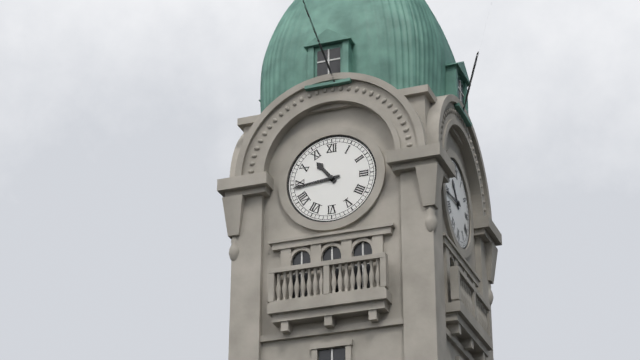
10 h 44 min
